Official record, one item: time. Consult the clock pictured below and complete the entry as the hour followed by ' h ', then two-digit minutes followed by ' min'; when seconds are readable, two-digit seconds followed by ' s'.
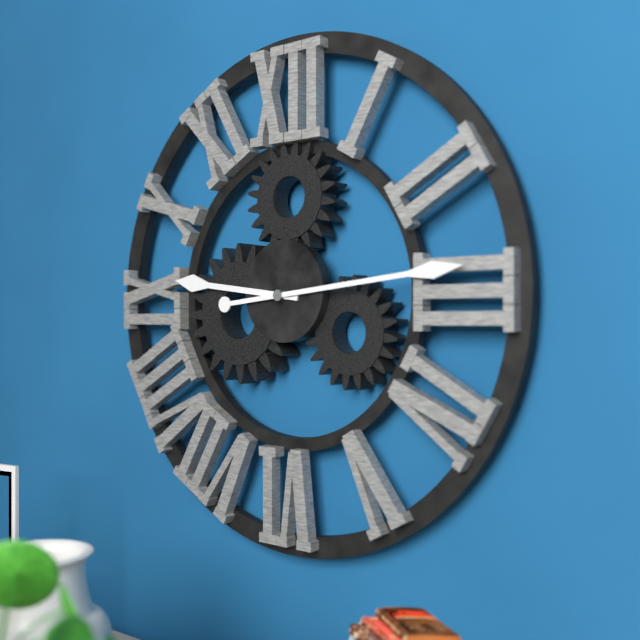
9 h 14 min
